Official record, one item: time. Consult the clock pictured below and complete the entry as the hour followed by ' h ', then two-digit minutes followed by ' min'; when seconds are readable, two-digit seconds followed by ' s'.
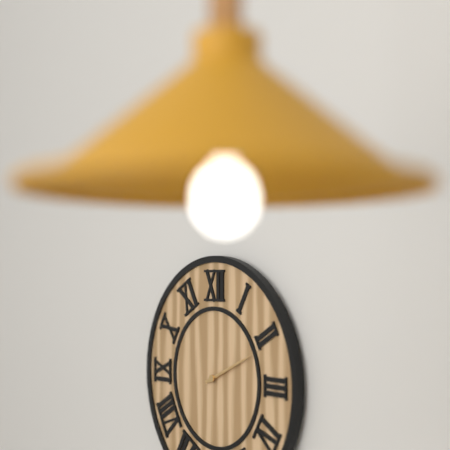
2 h 11 min
